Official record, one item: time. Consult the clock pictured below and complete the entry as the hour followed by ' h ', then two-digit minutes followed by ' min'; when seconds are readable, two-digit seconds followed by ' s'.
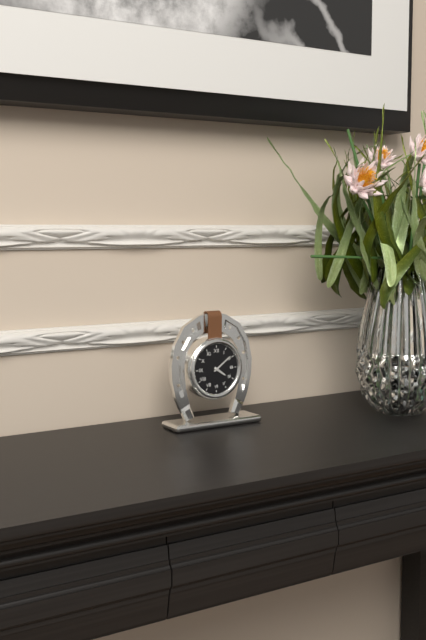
4 h 09 min
